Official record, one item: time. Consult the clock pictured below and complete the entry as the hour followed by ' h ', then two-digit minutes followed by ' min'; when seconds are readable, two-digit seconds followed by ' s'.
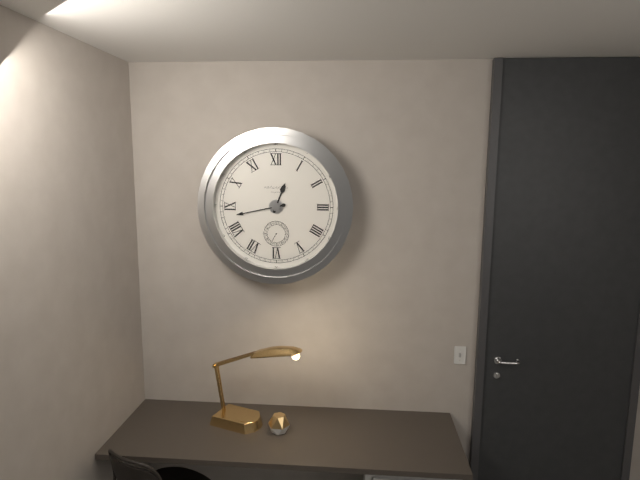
12 h 43 min
